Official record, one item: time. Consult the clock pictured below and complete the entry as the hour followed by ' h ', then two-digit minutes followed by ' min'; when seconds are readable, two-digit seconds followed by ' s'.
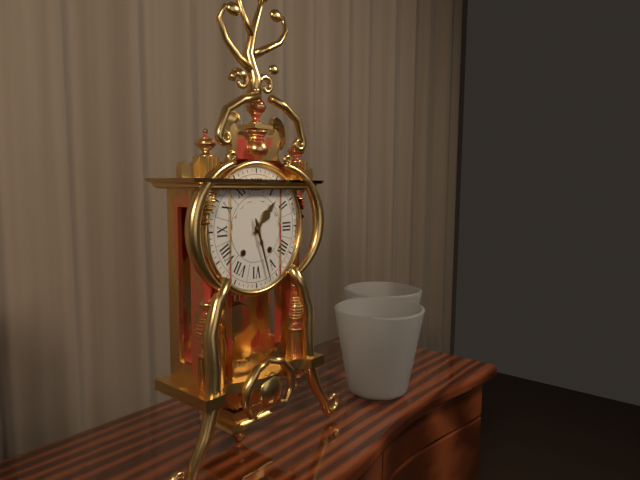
1 h 27 min
